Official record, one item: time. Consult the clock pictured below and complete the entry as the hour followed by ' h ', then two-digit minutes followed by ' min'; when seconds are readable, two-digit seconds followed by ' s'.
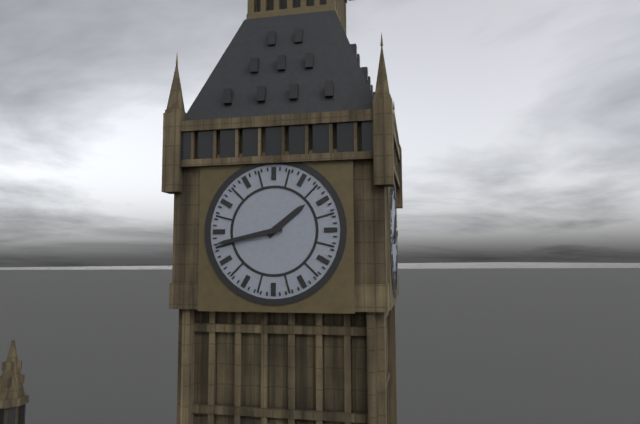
1 h 43 min
